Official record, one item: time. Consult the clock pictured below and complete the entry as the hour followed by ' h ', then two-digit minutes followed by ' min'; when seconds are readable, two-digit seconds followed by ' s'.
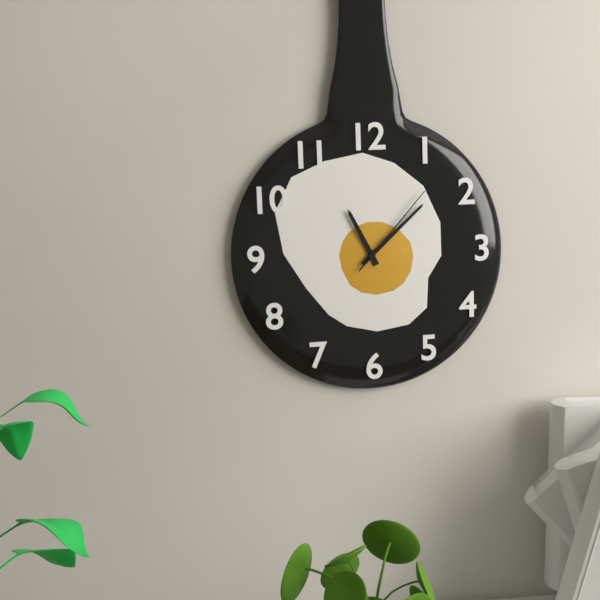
11 h 08 min 07 s
